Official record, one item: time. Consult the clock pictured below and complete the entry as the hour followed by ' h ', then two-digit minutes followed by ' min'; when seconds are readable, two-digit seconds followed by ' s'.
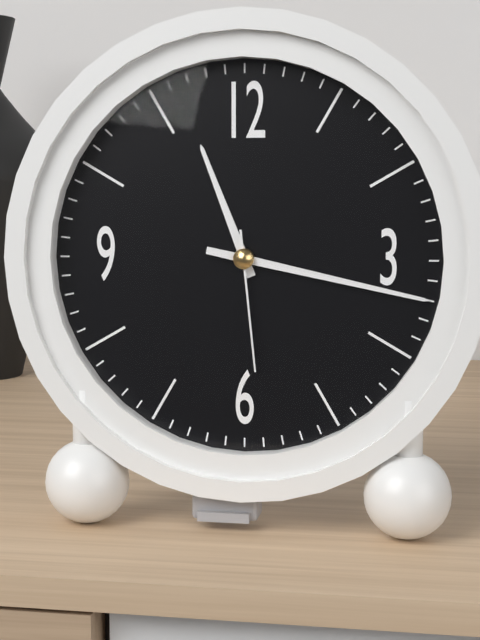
11 h 17 min 29 s
